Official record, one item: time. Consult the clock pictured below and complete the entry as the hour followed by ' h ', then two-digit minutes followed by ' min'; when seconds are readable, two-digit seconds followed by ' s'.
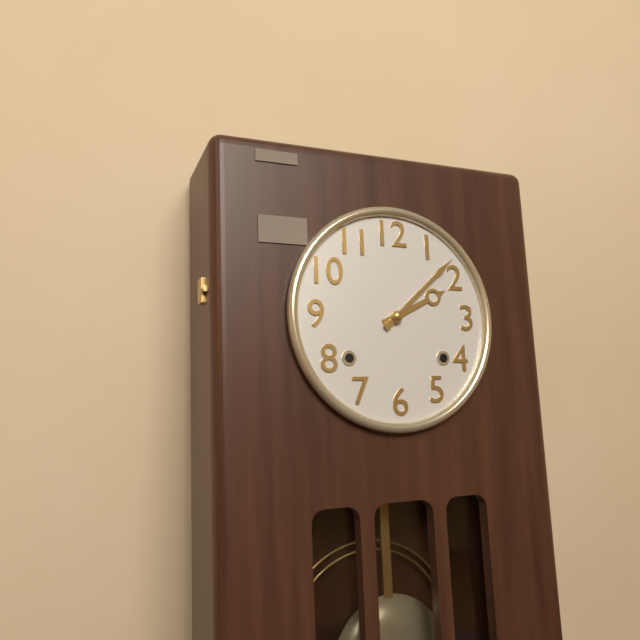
2 h 08 min
